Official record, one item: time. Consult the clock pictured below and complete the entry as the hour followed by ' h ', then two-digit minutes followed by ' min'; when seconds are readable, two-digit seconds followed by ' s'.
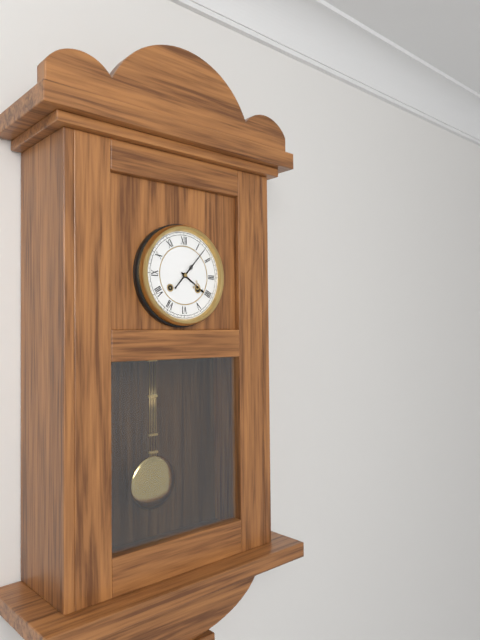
4 h 07 min
